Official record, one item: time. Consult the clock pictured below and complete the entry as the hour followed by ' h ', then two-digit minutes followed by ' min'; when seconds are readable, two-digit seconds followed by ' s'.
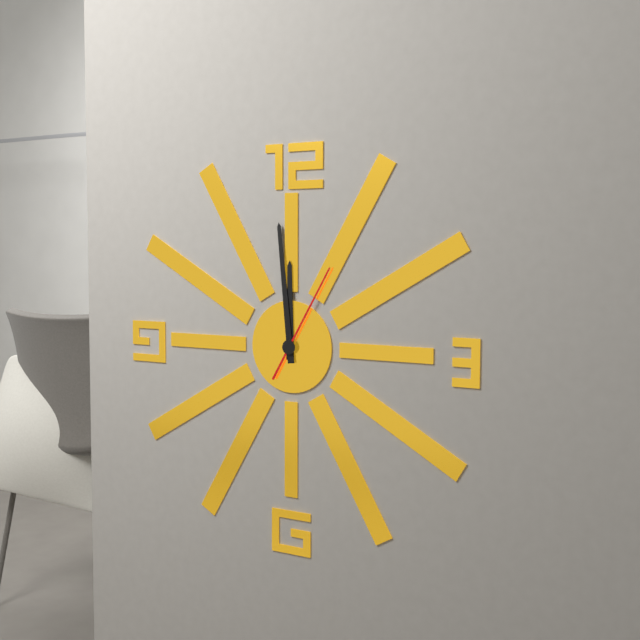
11 h 59 min 05 s
